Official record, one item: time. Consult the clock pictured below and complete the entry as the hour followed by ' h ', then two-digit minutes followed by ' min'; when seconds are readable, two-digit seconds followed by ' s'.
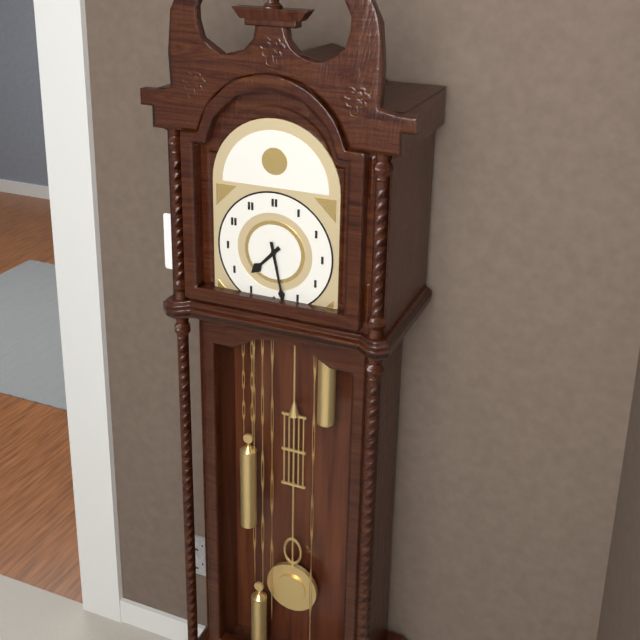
7 h 28 min
